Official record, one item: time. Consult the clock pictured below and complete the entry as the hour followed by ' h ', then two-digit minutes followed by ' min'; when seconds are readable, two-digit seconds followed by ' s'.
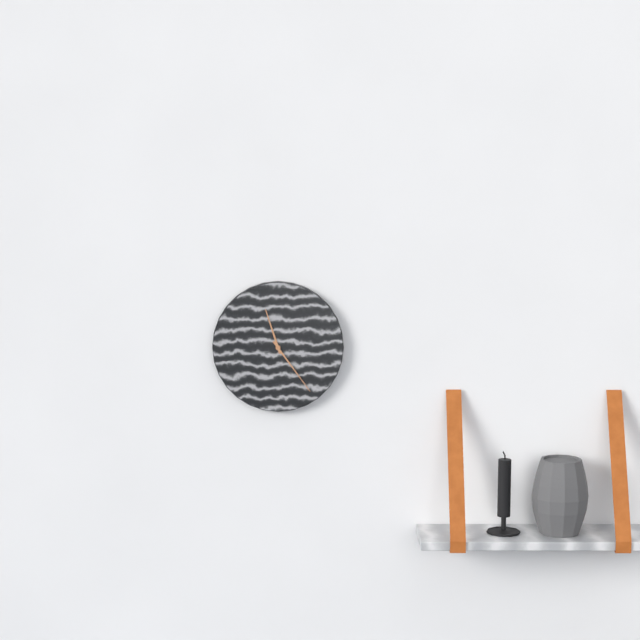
11 h 24 min
